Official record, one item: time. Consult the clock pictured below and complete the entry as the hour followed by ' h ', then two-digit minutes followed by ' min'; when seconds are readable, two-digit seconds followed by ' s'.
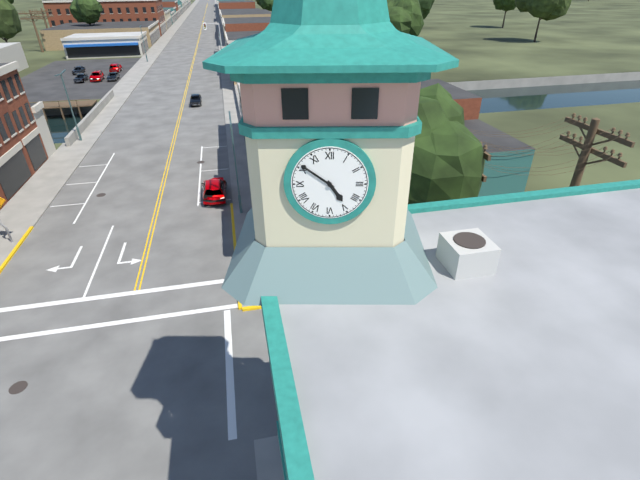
4 h 51 min
